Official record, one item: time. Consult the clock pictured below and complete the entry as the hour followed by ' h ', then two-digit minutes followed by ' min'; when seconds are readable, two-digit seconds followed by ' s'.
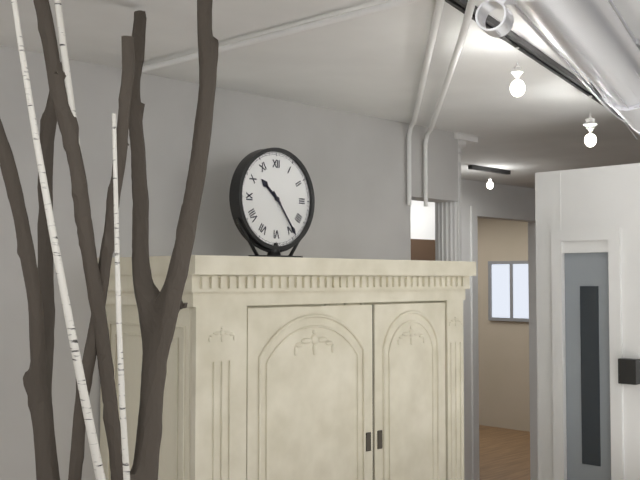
10 h 24 min
